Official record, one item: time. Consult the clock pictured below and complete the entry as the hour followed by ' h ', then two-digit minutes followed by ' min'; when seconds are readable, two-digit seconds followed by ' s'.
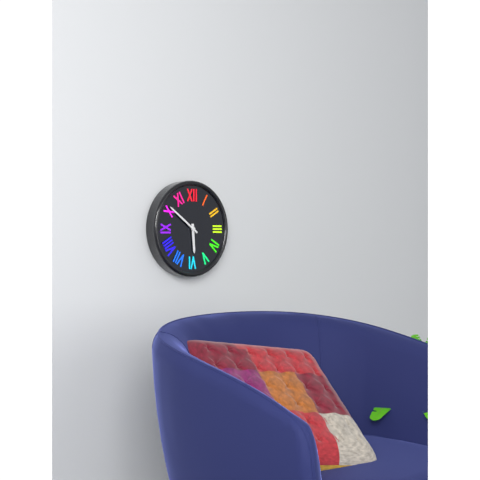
5 h 51 min
